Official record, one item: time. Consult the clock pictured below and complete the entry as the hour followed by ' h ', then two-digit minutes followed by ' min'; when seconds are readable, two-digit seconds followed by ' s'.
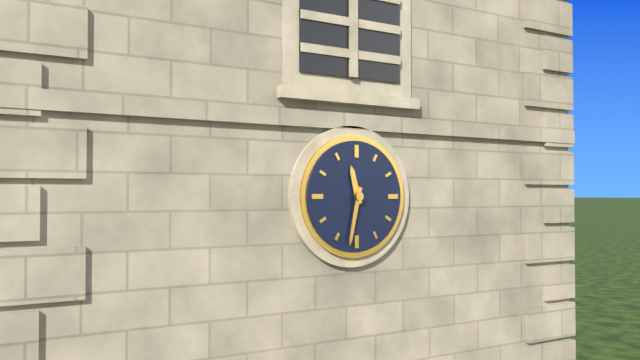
11 h 32 min
